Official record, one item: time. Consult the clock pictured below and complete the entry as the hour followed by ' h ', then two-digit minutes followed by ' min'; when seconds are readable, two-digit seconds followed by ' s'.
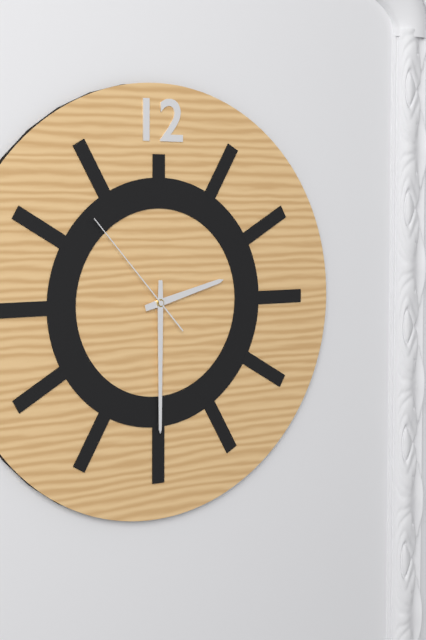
2 h 30 min 53 s
